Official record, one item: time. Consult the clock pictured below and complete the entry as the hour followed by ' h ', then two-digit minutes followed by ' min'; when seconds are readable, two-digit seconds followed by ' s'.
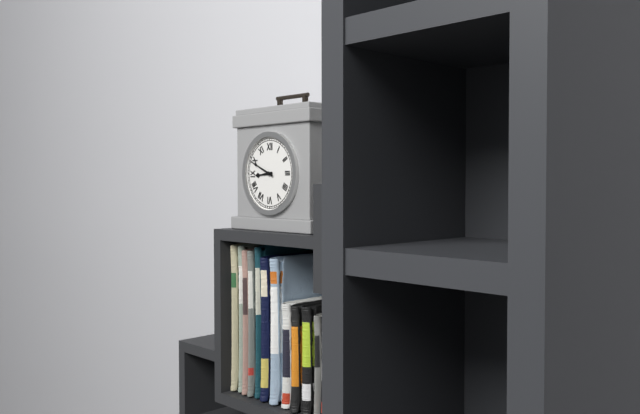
8 h 49 min
